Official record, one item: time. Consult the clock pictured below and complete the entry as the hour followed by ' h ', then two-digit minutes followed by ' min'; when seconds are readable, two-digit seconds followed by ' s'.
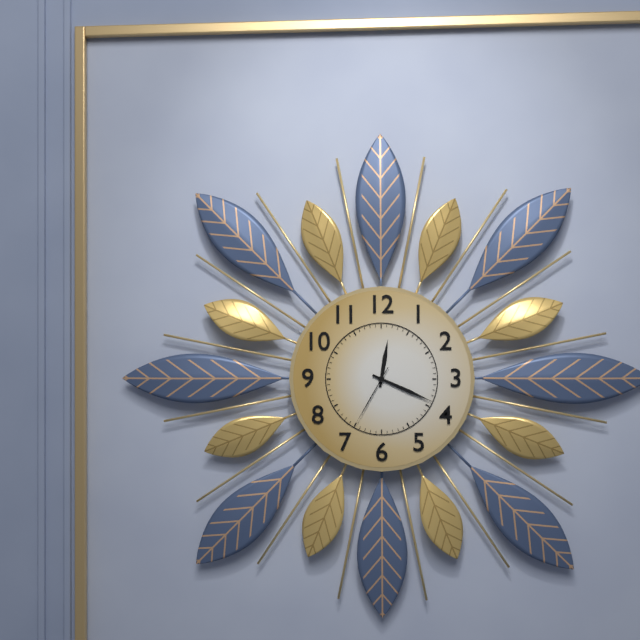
12 h 19 min 35 s
